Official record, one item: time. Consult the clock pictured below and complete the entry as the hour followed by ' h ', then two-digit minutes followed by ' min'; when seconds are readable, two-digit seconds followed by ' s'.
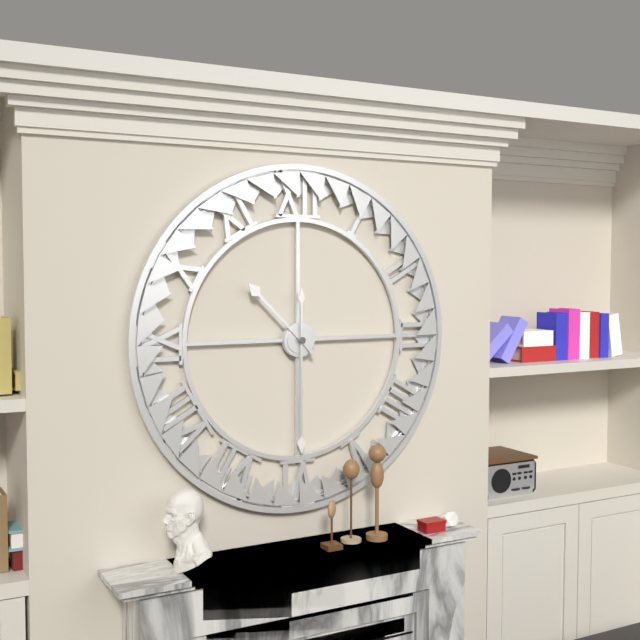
10 h 30 min
